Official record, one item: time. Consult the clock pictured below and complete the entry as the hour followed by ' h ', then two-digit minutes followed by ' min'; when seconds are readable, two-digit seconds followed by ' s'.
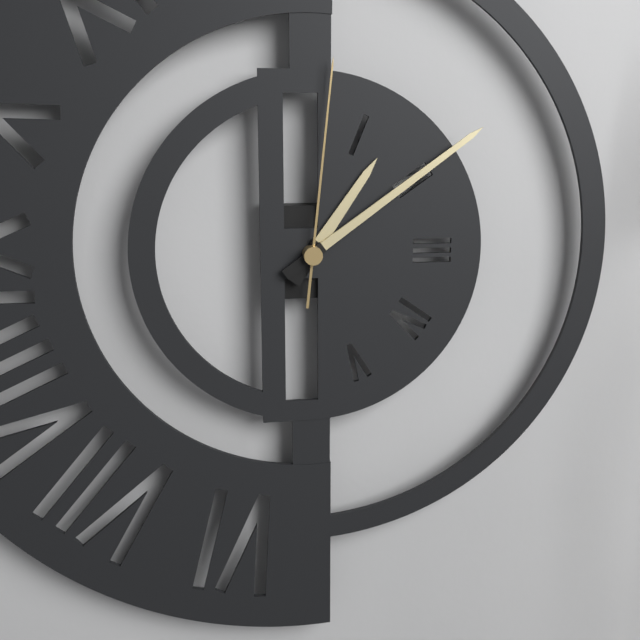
1 h 09 min 01 s
